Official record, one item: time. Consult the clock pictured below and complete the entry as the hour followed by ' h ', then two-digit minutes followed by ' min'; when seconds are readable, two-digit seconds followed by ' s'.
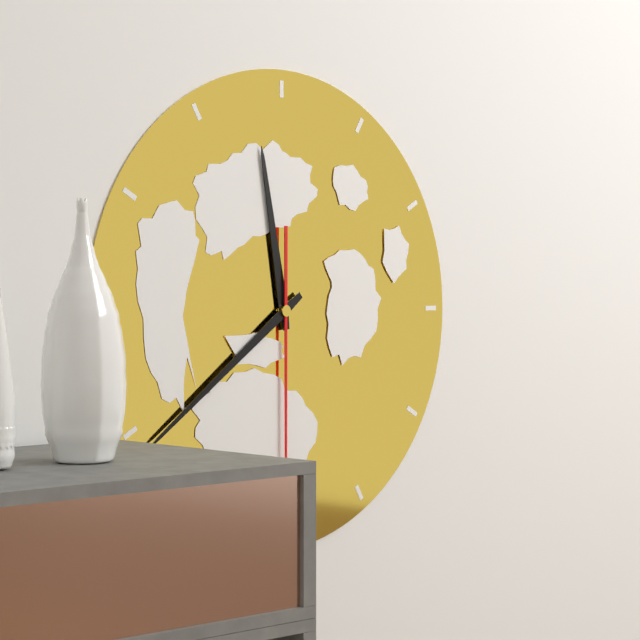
11 h 39 min
